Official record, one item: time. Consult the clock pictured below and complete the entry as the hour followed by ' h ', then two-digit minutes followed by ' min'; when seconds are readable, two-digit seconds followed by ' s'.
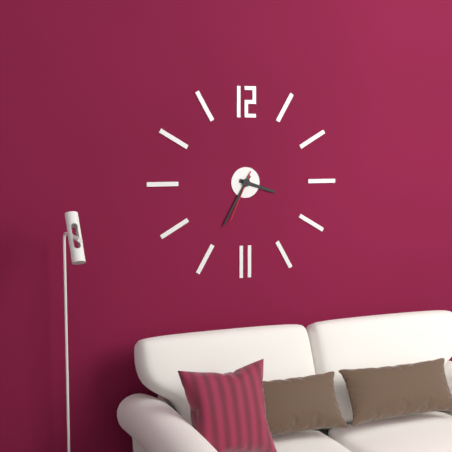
3 h 35 min 34 s
